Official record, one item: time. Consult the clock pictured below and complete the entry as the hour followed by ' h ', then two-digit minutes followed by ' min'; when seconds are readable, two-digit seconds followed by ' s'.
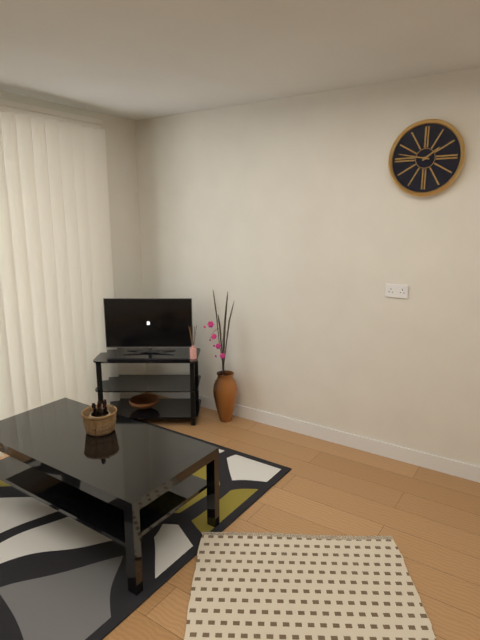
1 h 47 min
